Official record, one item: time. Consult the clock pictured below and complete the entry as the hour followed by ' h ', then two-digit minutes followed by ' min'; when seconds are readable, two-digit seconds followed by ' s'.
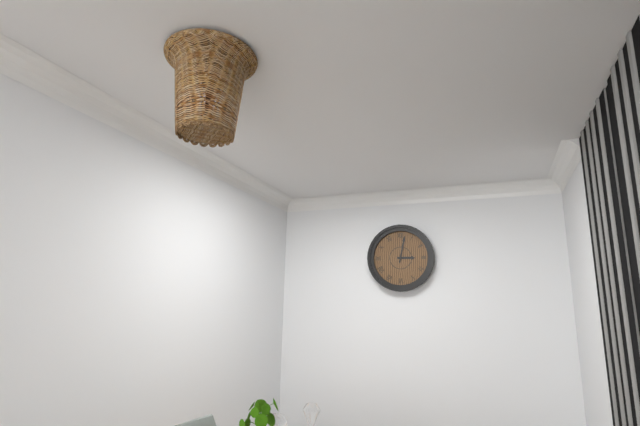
3 h 02 min
